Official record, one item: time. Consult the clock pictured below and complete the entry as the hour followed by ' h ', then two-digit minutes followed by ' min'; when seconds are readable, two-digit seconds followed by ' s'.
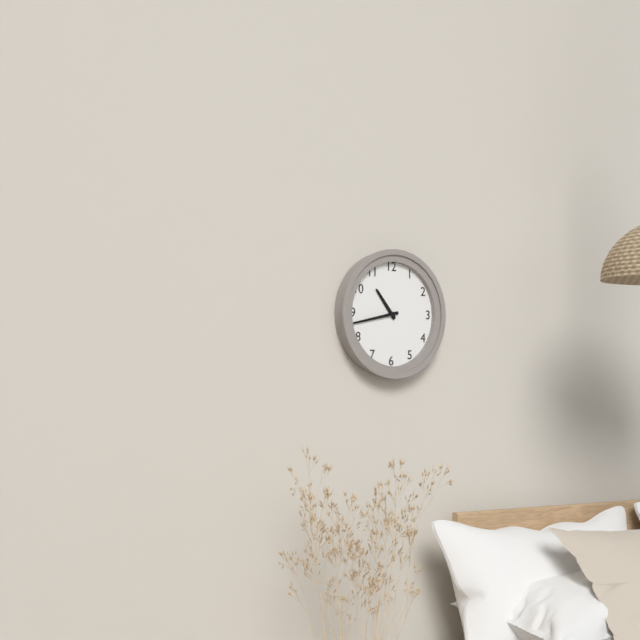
10 h 43 min
